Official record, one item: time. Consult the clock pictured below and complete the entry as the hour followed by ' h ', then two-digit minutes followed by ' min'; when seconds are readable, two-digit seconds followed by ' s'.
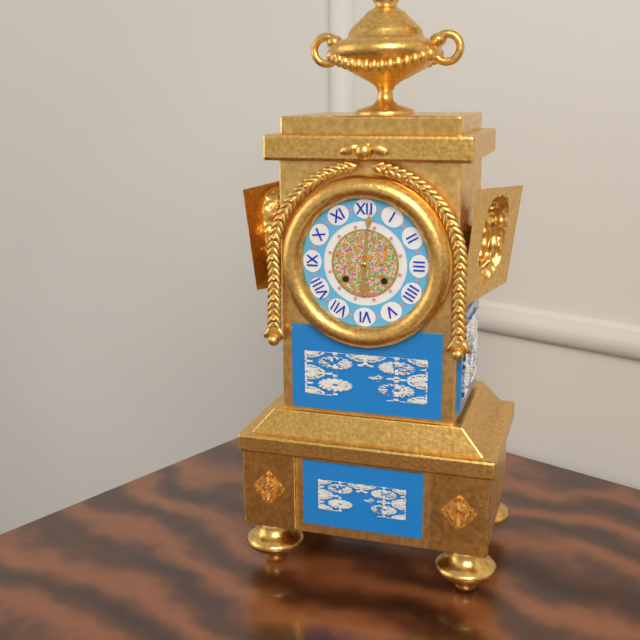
6 h 01 min
